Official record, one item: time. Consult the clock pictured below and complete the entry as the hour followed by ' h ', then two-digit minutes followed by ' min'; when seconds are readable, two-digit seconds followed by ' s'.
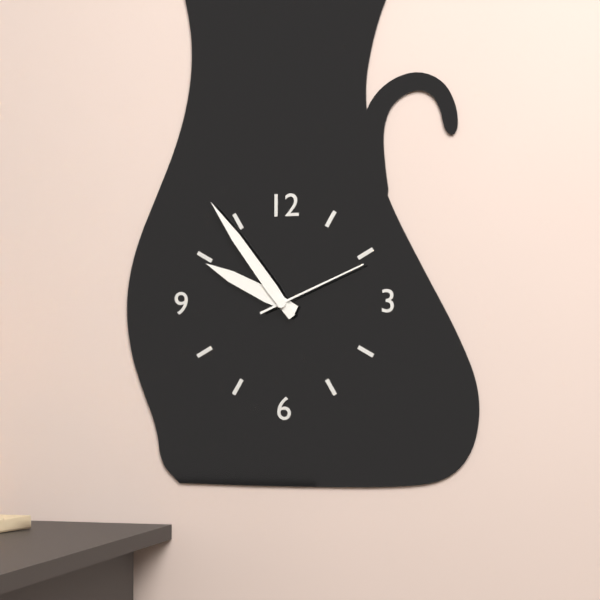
9 h 54 min 11 s
